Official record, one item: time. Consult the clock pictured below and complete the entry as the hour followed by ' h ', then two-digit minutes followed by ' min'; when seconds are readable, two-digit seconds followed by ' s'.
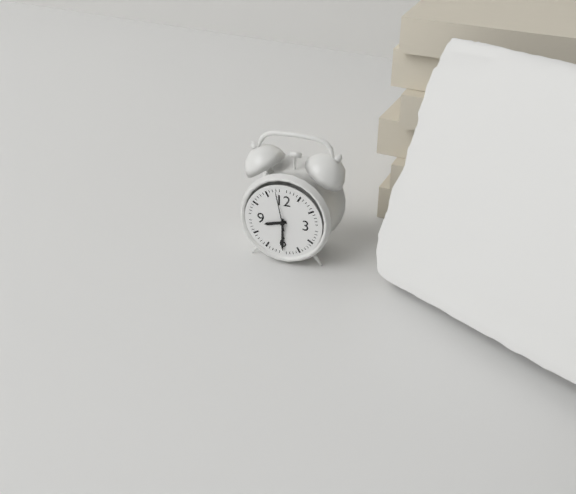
8 h 30 min
